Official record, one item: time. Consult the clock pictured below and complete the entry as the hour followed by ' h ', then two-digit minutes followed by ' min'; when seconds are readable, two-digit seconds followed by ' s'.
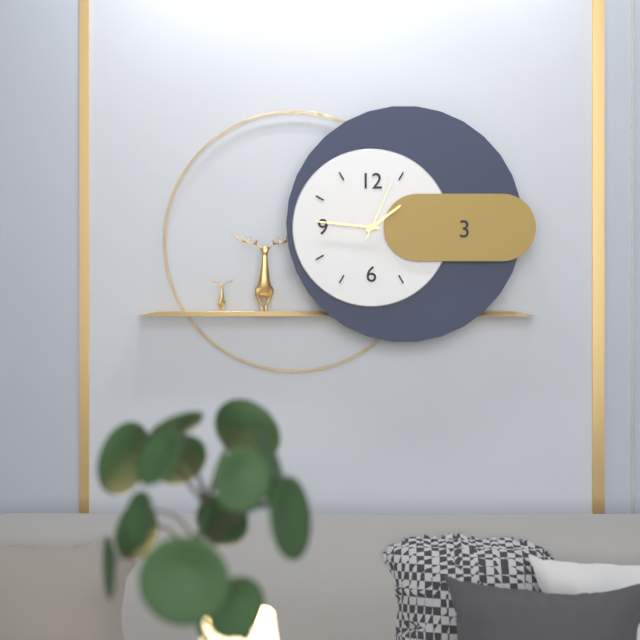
1 h 46 min 04 s
